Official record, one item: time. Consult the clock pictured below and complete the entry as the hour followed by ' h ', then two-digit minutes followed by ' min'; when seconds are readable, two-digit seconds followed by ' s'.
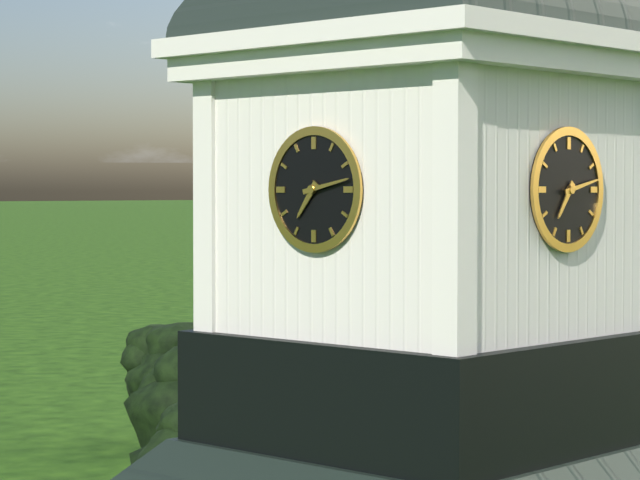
7 h 13 min
